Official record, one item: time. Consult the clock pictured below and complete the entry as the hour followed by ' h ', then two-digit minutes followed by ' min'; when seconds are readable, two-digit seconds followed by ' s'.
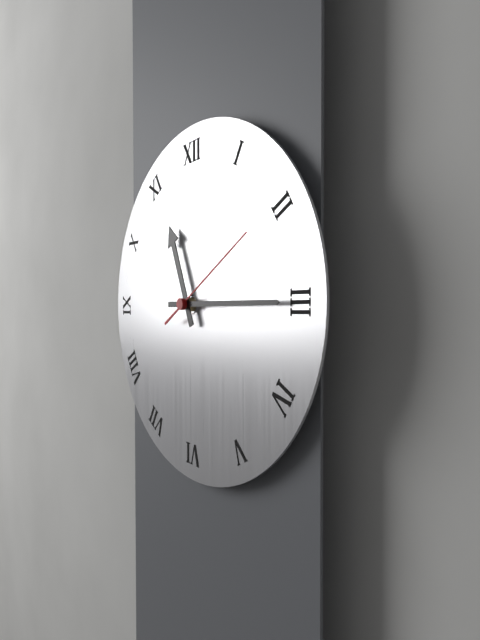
11 h 15 min 10 s
